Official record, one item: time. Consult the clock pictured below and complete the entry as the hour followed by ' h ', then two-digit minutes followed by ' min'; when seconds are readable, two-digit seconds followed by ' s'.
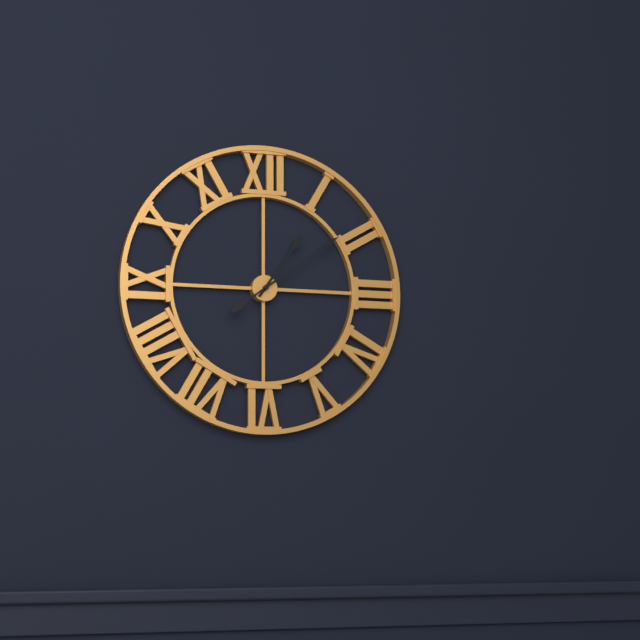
1 h 09 min
